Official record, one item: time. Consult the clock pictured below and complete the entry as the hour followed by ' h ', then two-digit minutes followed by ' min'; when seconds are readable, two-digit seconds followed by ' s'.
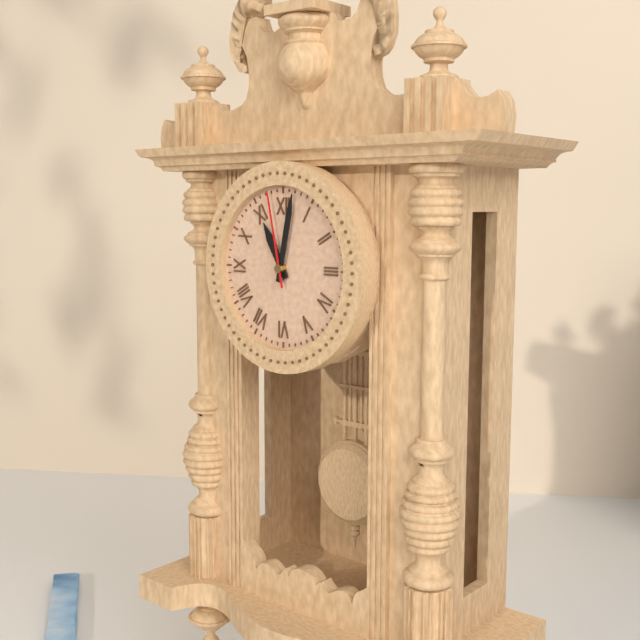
11 h 02 min 58 s
